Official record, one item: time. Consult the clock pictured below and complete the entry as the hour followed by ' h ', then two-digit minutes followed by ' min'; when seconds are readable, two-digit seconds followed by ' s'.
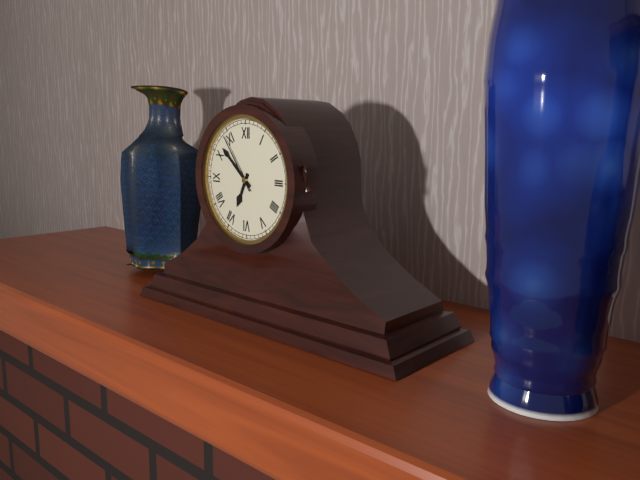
6 h 52 min 54 s
